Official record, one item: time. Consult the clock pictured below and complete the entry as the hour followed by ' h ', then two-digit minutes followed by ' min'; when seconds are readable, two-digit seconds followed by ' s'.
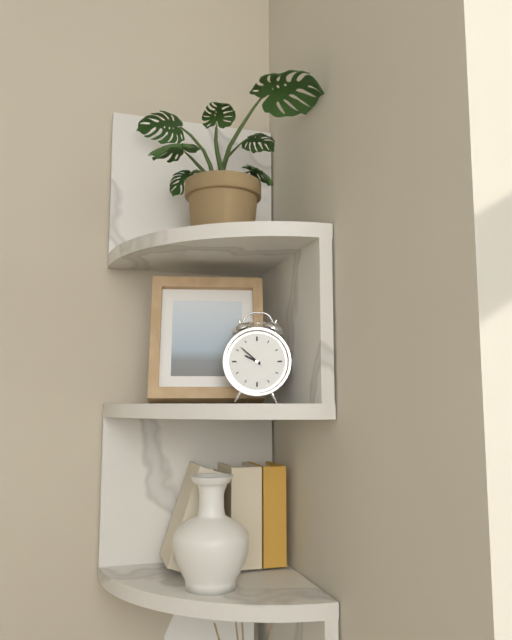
9 h 52 min
